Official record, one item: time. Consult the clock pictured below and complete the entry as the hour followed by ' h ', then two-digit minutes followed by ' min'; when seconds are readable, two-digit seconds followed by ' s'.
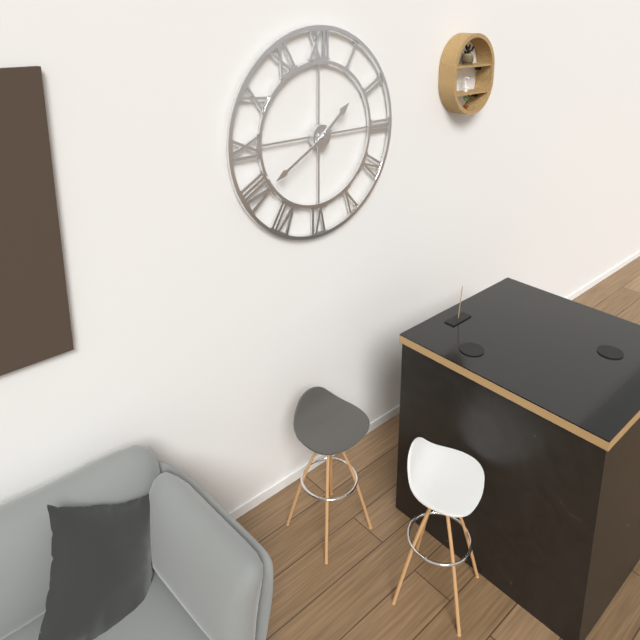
1 h 40 min
